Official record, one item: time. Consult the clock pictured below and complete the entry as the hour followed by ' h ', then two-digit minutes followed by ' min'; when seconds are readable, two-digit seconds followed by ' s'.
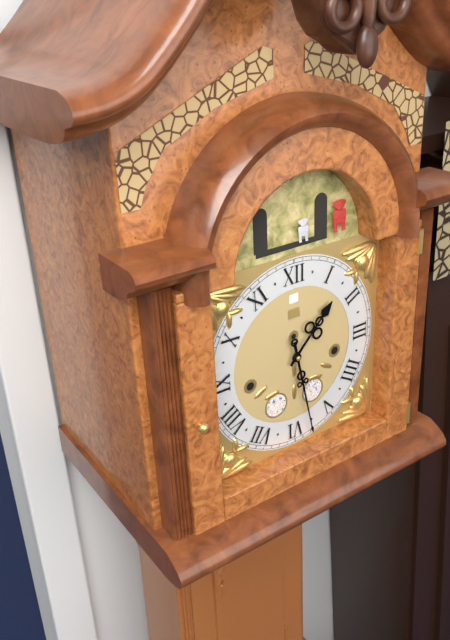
1 h 28 min
